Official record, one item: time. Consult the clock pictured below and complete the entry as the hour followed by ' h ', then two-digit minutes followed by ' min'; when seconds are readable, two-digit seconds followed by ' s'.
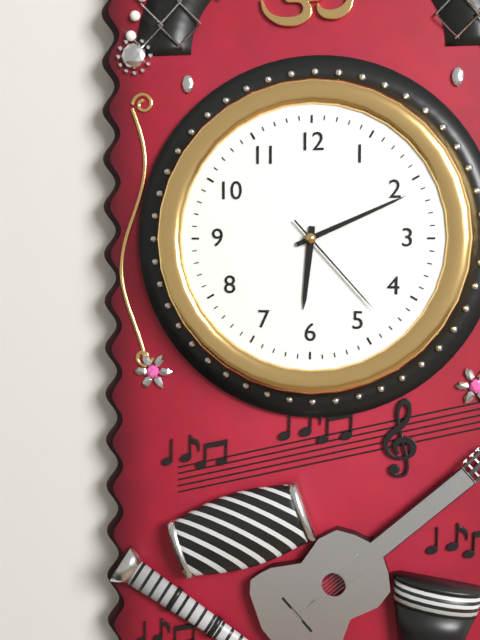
6 h 11 min 23 s
